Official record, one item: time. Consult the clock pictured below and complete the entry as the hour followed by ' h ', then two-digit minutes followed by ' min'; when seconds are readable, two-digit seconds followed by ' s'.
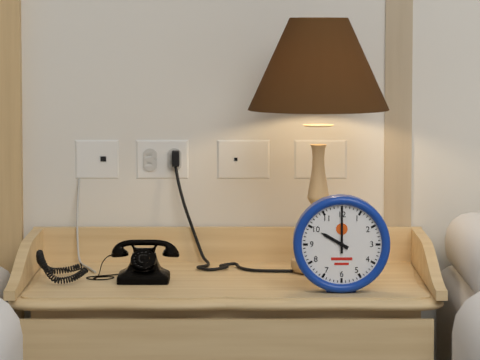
10 h 00 min
